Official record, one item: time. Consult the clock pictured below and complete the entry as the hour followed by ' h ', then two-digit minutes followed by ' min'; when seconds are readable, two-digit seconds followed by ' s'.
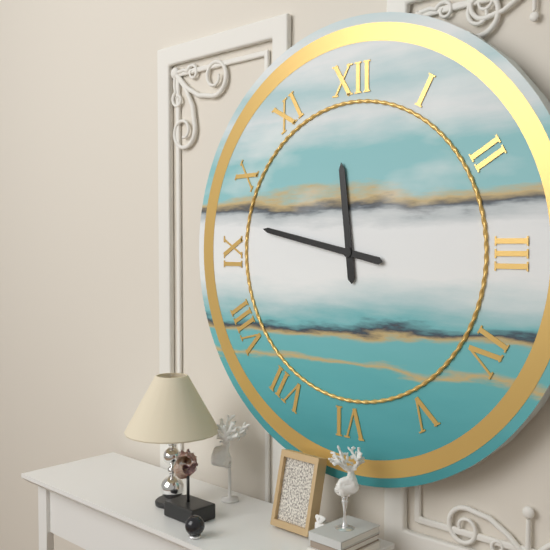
11 h 47 min
